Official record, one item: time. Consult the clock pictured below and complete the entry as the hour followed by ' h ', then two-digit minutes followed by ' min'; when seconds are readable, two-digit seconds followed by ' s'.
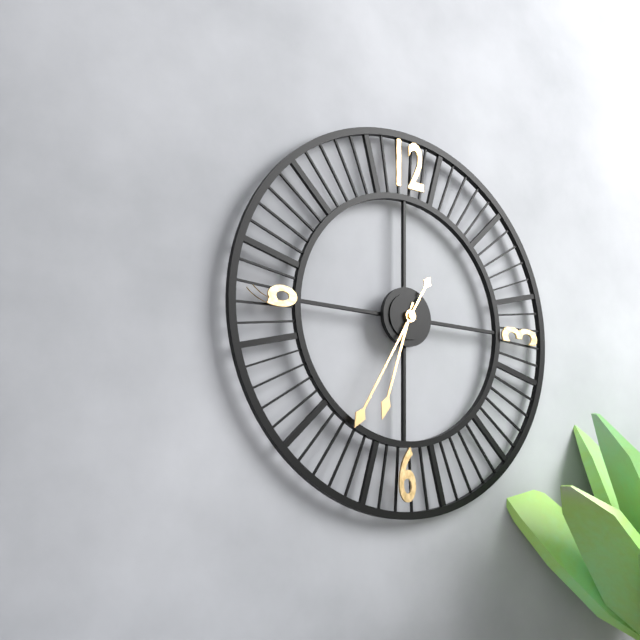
6 h 35 min
